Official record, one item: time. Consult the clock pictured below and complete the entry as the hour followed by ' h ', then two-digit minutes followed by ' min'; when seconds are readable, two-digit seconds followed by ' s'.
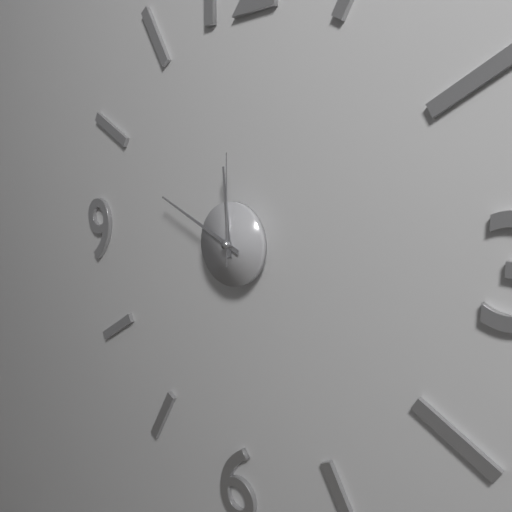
11 h 49 min 00 s
